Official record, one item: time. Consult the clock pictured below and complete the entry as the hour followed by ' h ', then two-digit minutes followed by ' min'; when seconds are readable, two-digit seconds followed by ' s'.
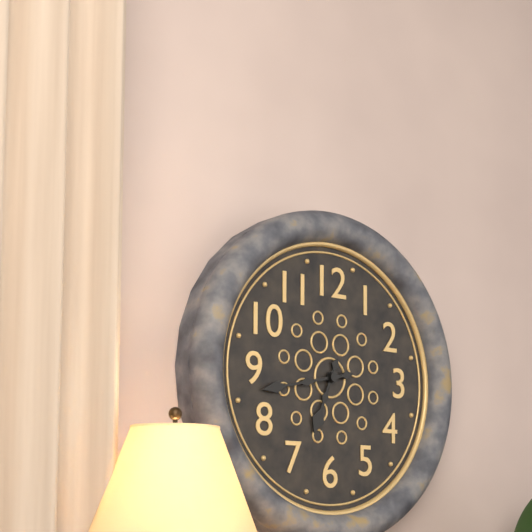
6 h 43 min
